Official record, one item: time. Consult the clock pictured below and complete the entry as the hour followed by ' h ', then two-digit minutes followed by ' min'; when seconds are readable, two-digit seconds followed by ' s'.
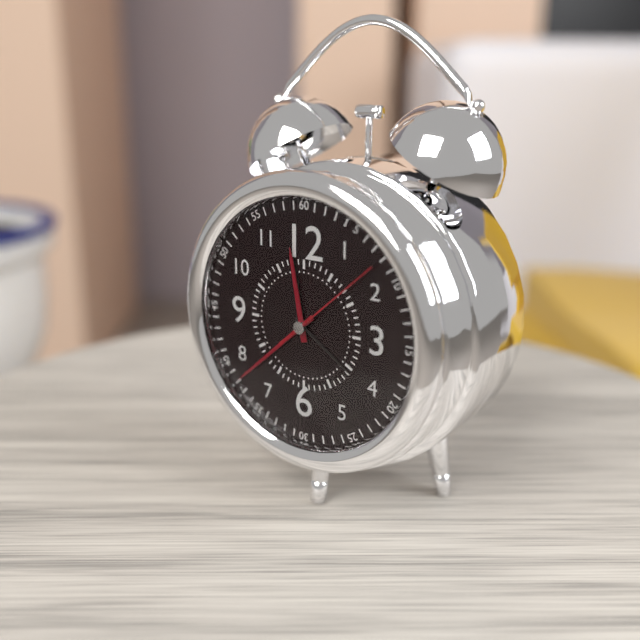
11 h 38 min 08 s
